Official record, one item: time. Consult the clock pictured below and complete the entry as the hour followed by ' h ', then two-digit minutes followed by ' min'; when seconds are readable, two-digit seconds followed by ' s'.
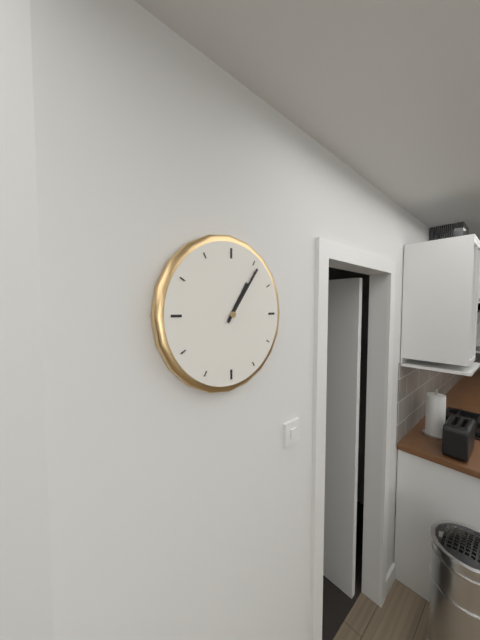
1 h 06 min
